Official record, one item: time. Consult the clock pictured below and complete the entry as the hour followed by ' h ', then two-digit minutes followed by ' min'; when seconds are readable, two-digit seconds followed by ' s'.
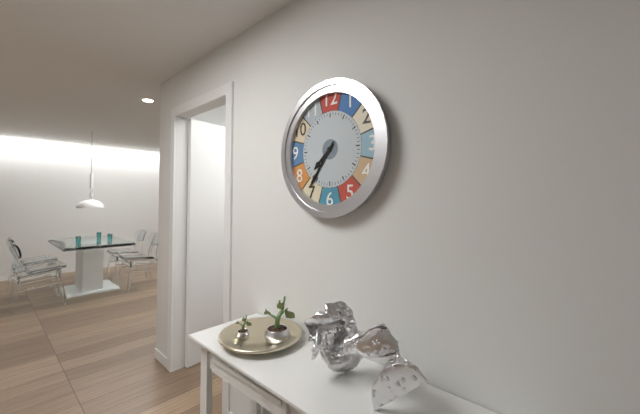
7 h 36 min
